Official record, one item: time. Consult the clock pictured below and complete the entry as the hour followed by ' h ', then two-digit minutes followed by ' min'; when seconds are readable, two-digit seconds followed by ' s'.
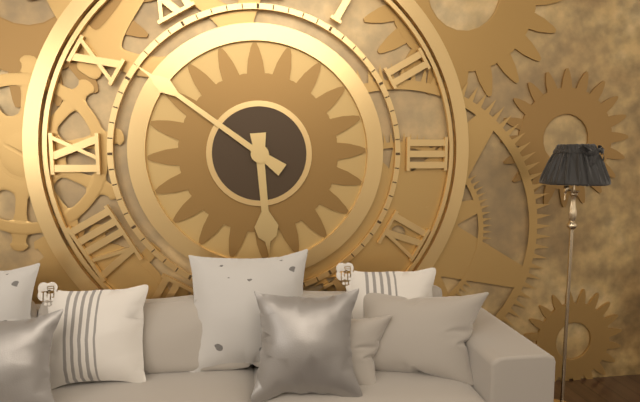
5 h 51 min
